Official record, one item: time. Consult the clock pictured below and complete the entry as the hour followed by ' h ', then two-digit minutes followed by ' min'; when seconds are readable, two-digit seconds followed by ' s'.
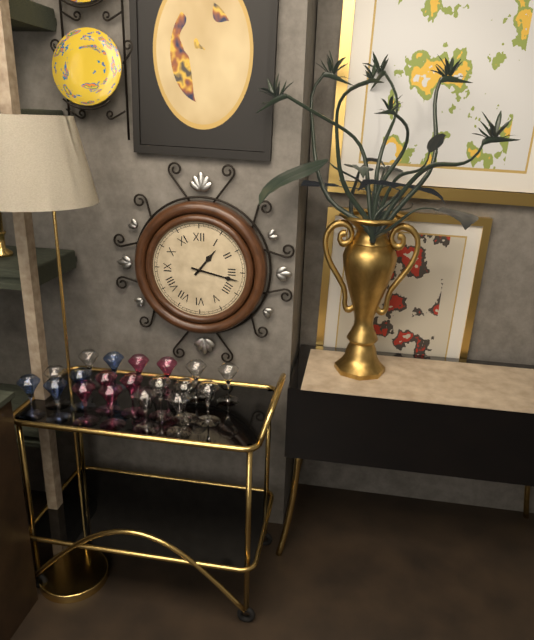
1 h 17 min
